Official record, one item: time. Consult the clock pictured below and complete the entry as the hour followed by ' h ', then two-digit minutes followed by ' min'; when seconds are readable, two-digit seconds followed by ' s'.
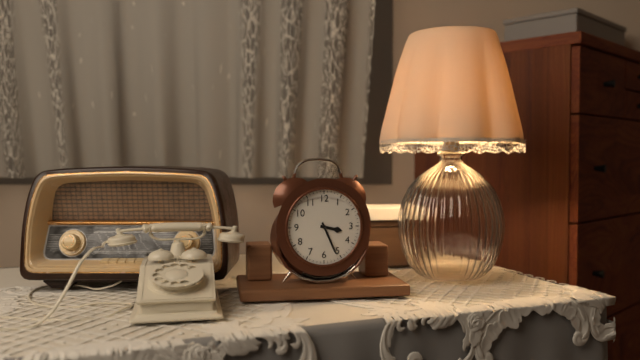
3 h 26 min
